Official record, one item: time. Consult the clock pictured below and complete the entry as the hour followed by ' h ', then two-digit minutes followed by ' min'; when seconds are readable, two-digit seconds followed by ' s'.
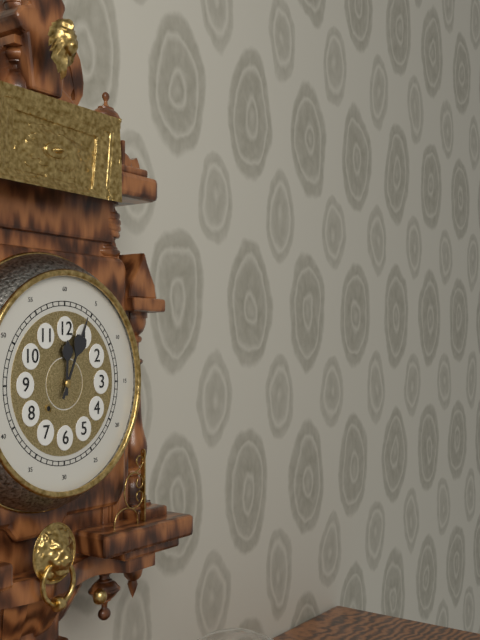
12 h 04 min
